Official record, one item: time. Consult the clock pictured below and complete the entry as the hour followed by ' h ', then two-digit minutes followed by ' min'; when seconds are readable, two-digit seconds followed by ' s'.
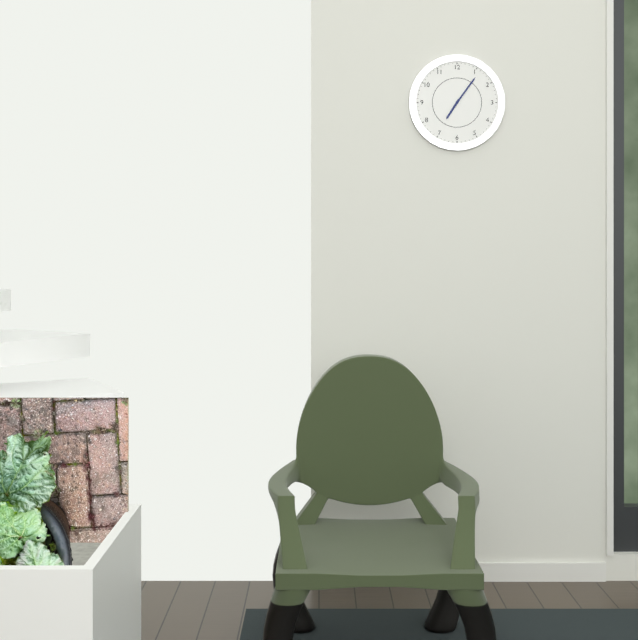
7 h 06 min
